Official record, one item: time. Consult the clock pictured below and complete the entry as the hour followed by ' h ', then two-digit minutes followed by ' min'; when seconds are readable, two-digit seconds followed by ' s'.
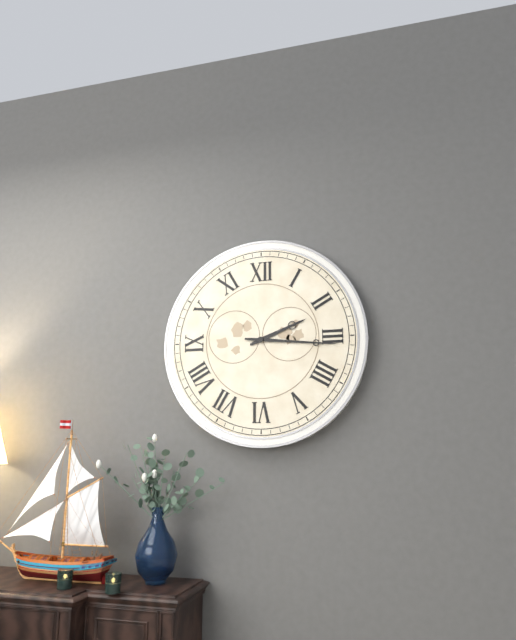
2 h 16 min
